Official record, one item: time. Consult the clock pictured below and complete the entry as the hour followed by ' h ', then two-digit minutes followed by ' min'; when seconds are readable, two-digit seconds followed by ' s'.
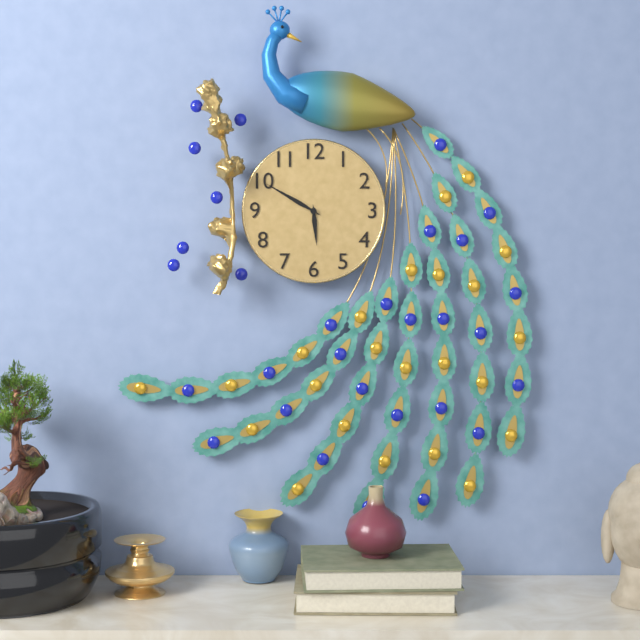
5 h 50 min
